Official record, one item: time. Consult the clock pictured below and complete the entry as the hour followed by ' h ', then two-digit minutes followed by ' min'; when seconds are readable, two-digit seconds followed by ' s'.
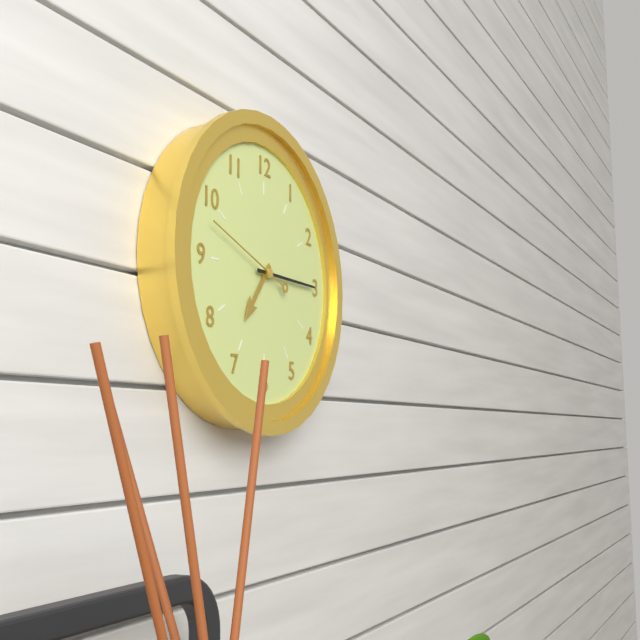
7 h 15 min 48 s
